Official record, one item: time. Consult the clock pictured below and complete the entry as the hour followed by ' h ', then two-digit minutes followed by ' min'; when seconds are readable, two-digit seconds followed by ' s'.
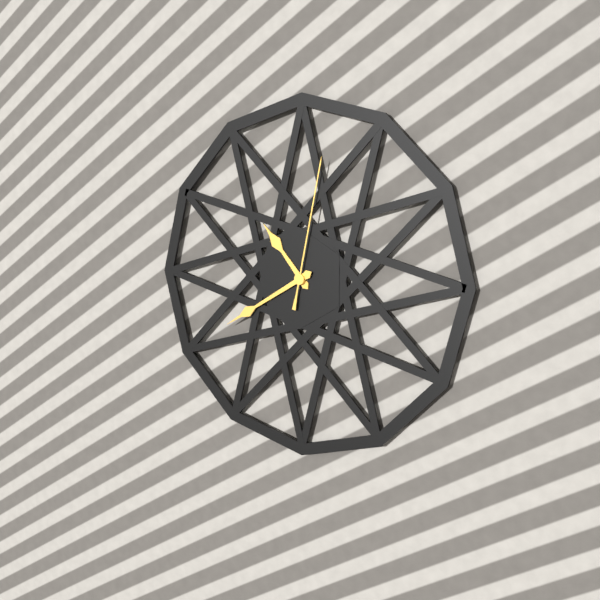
10 h 40 min 02 s
